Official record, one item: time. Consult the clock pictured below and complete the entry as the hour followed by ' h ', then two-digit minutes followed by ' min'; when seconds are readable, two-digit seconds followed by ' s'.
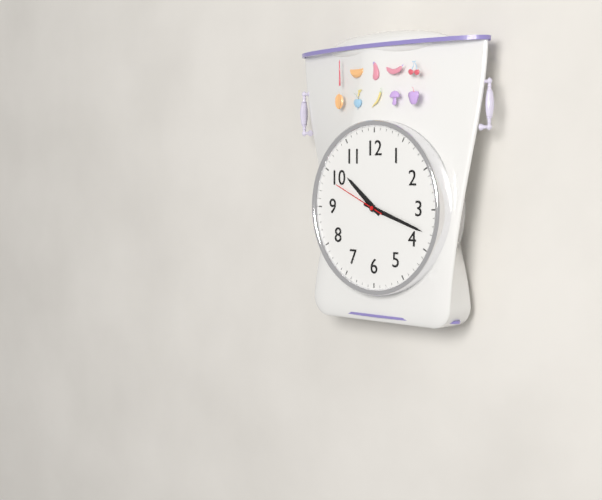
10 h 18 min 49 s
